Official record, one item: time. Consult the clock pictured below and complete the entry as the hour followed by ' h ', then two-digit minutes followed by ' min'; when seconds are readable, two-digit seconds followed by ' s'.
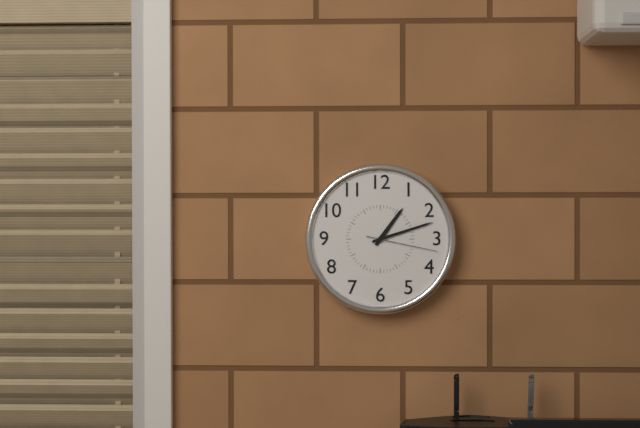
1 h 12 min 17 s
